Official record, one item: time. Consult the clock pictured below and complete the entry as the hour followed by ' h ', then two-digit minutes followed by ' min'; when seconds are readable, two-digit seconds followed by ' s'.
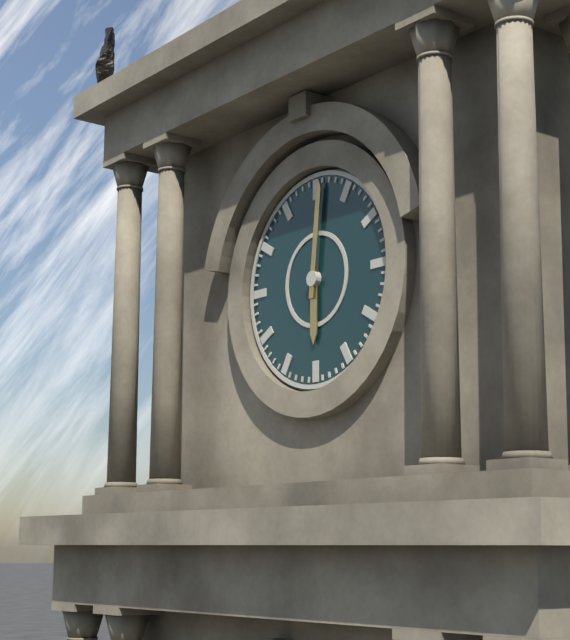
6 h 01 min
